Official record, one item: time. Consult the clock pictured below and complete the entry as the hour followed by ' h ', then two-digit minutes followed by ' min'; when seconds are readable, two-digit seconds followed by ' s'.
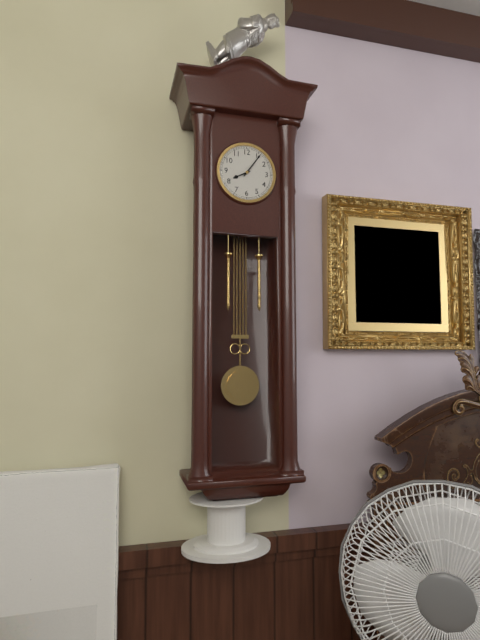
8 h 06 min
